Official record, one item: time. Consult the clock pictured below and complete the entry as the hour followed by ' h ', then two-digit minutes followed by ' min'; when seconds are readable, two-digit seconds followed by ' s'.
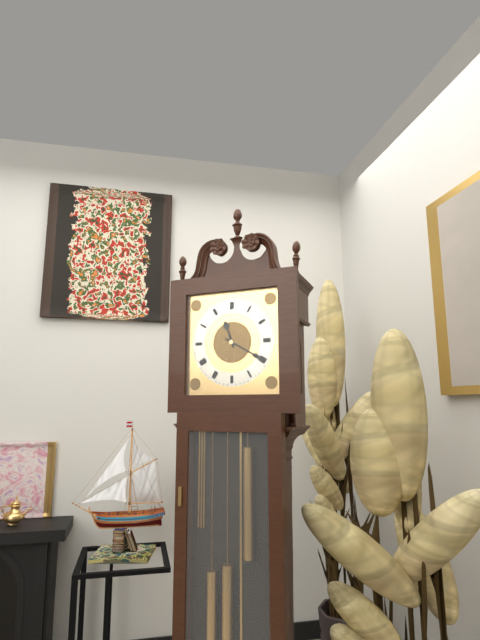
11 h 20 min
